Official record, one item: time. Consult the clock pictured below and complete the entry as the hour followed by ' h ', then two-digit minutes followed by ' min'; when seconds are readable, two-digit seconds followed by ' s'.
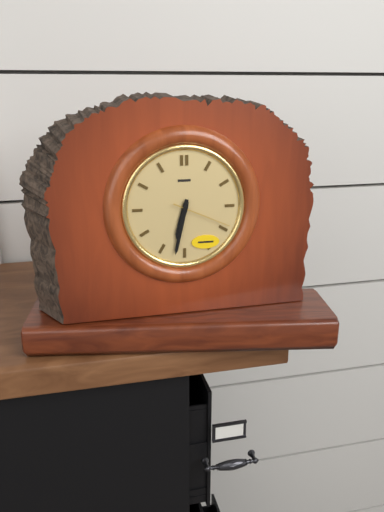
6 h 32 min 19 s
